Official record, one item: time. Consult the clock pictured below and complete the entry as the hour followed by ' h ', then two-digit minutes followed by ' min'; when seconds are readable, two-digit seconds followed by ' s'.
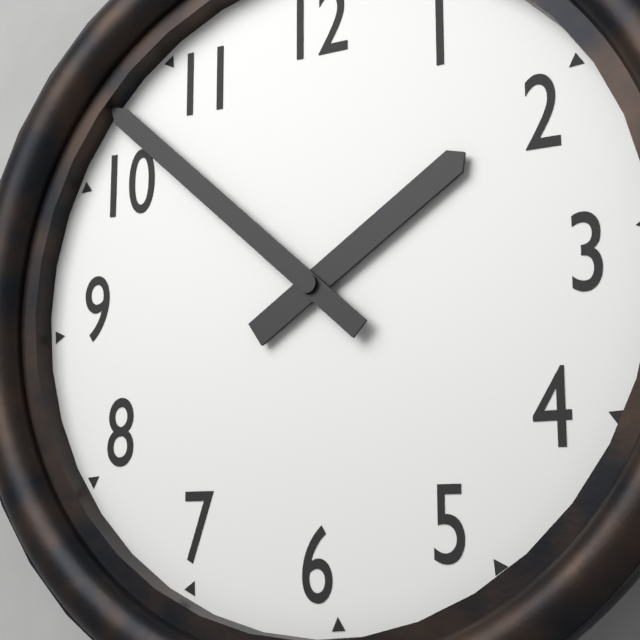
1 h 52 min
